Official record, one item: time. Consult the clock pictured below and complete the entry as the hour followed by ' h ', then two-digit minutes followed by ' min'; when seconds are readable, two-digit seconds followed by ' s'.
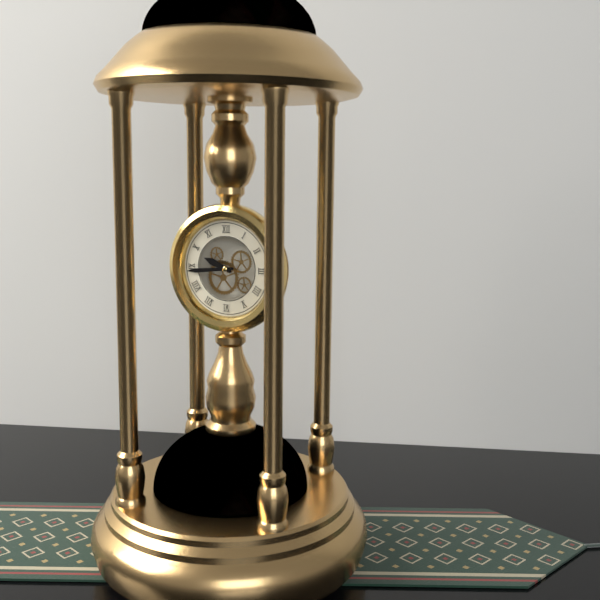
9 h 44 min
